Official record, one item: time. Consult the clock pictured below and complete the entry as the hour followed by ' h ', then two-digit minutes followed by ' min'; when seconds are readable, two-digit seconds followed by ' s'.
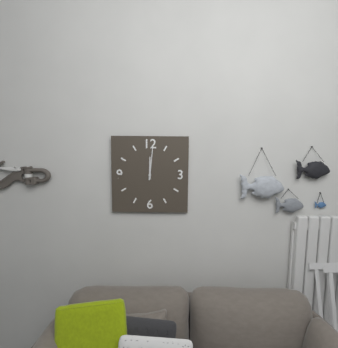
12 h 01 min
